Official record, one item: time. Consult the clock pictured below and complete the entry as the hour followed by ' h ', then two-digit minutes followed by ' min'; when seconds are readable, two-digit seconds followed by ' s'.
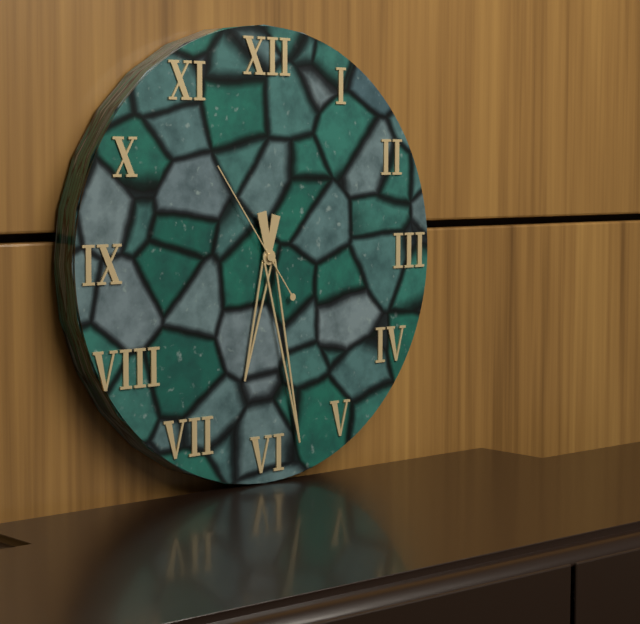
6 h 28 min 54 s
